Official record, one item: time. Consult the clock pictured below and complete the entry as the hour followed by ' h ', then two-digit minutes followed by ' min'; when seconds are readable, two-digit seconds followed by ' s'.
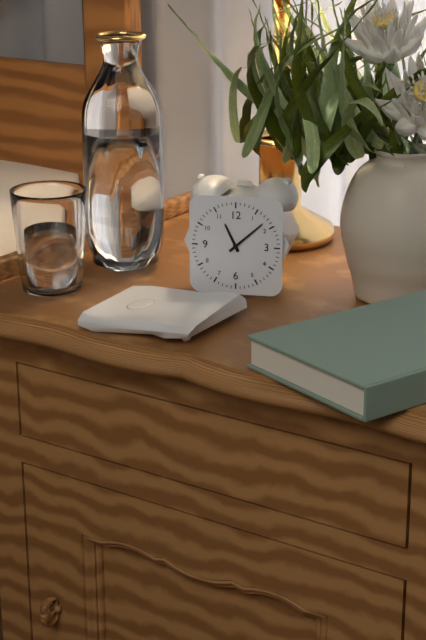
11 h 08 min
